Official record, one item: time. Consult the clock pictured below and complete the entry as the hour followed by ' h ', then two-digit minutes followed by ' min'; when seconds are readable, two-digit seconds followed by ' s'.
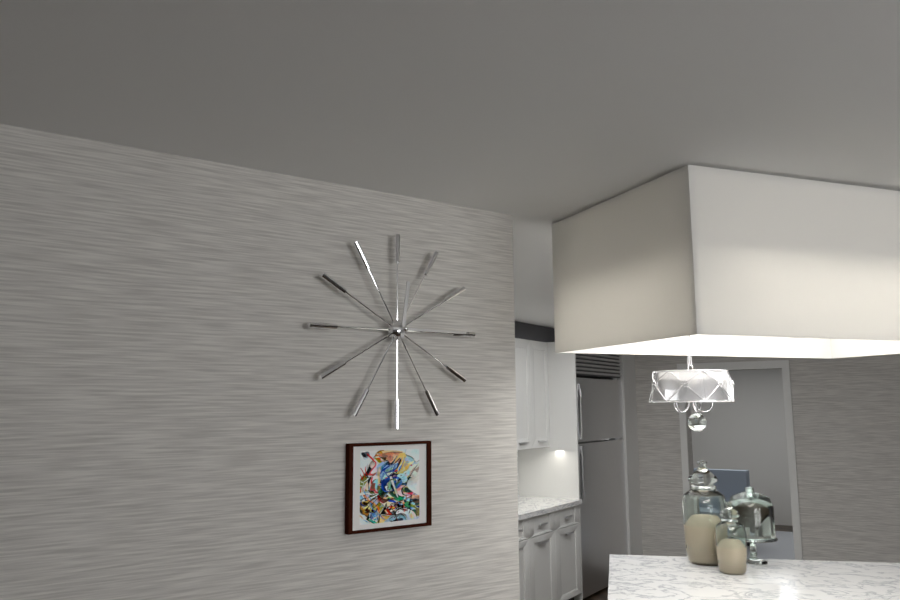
12 h 15 min
